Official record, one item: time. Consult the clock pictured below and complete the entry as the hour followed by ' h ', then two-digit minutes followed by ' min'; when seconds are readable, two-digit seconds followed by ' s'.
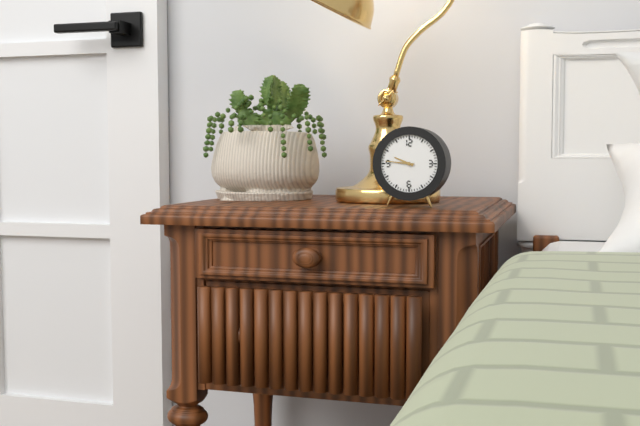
9 h 46 min
